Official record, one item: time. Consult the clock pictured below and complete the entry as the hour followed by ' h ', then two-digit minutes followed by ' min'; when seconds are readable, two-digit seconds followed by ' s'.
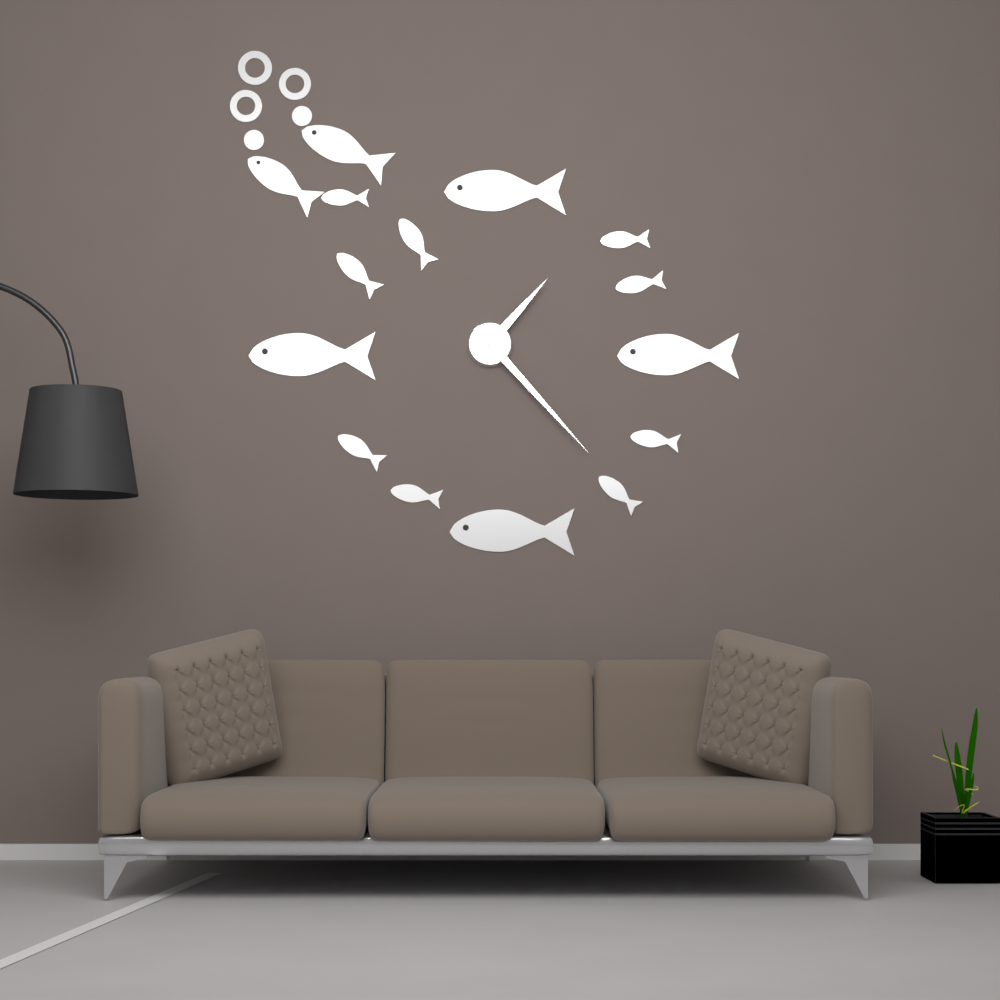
1 h 23 min
